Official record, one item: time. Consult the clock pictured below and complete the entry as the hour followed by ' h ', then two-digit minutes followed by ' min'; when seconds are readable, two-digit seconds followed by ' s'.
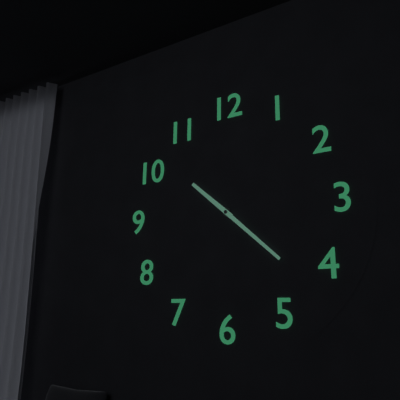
10 h 22 min
